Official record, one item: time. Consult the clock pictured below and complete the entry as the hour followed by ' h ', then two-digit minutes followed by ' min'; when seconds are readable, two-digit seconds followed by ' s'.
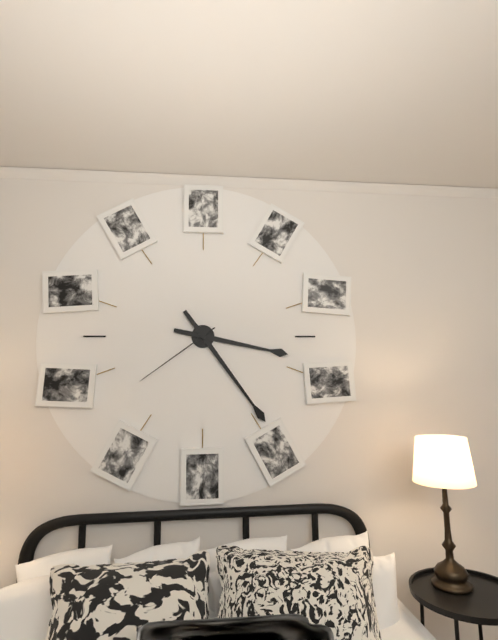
3 h 24 min 39 s
